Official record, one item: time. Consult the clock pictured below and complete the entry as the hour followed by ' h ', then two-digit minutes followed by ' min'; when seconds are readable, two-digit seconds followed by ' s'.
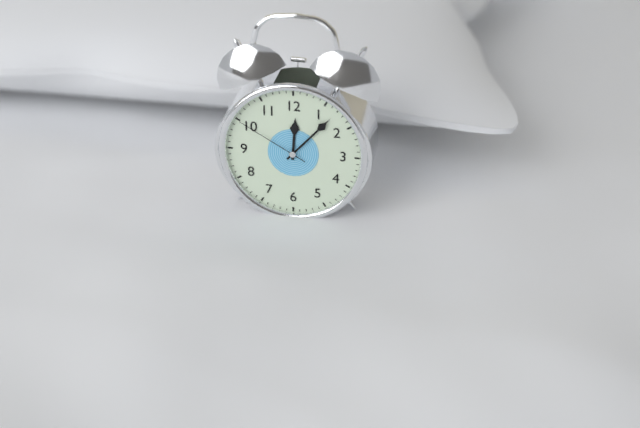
12 h 07 min 50 s
